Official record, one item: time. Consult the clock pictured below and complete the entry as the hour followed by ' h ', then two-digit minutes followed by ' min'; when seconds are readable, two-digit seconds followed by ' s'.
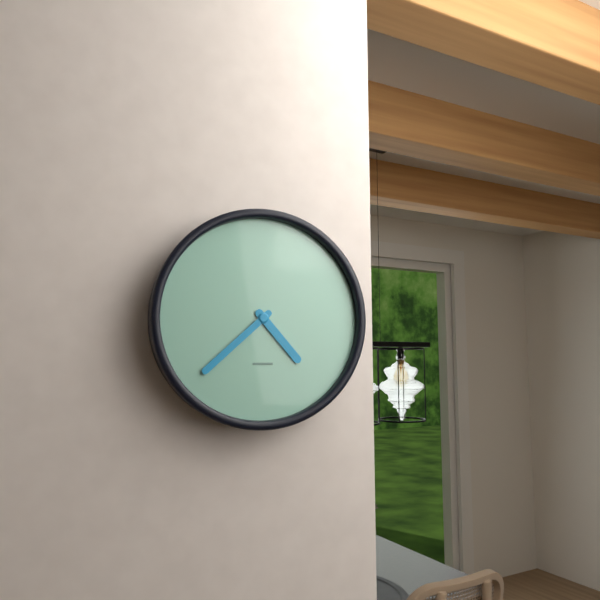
4 h 38 min
